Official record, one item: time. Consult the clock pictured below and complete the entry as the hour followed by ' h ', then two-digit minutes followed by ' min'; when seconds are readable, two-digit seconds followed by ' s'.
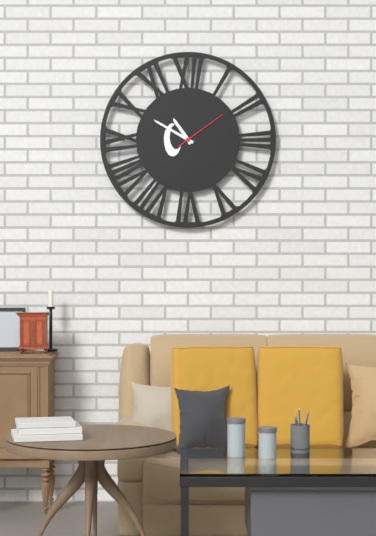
10 h 50 min 09 s
